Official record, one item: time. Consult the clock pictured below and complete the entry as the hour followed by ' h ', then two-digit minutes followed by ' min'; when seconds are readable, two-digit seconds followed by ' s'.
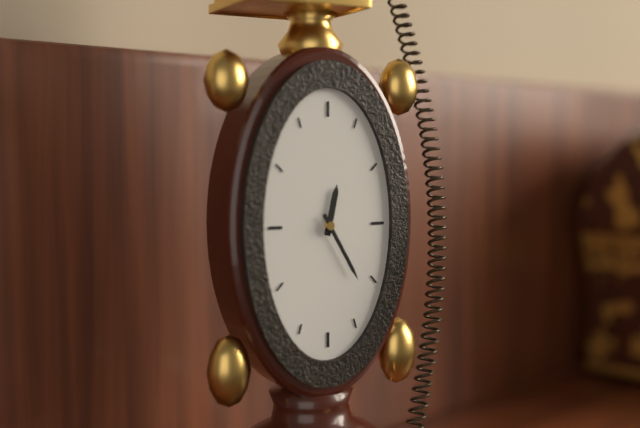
12 h 25 min
